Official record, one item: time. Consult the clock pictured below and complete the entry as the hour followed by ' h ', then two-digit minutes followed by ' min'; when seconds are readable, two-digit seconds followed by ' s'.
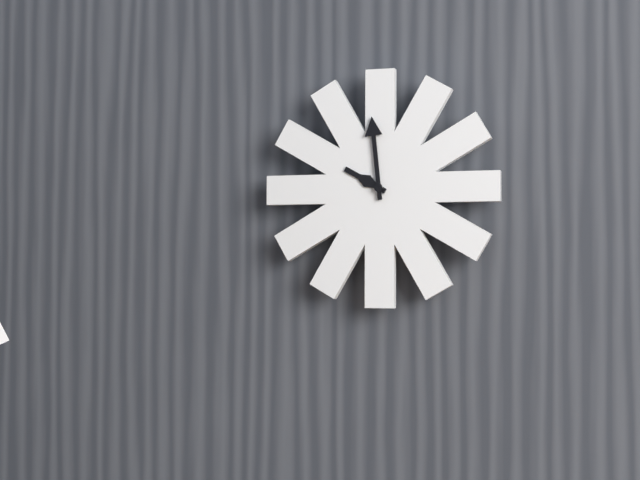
9 h 59 min
